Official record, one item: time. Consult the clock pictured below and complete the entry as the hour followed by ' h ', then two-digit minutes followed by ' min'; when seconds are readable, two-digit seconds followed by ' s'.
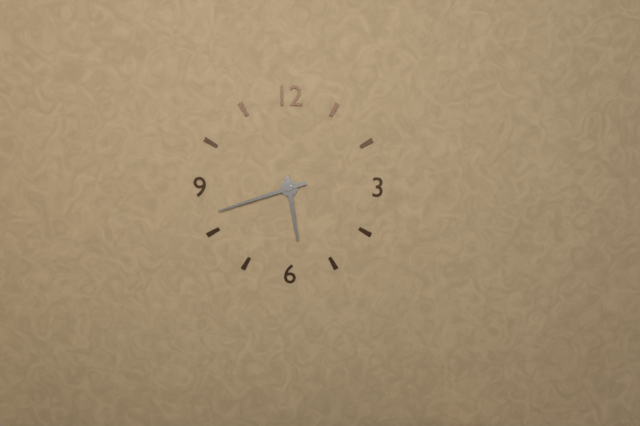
5 h 42 min
